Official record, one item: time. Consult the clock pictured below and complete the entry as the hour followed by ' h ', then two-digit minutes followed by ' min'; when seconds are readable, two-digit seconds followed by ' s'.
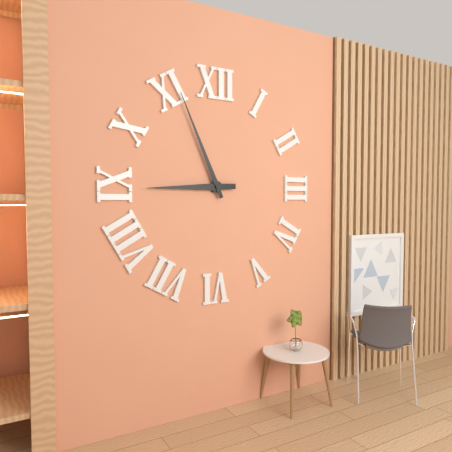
8 h 56 min
